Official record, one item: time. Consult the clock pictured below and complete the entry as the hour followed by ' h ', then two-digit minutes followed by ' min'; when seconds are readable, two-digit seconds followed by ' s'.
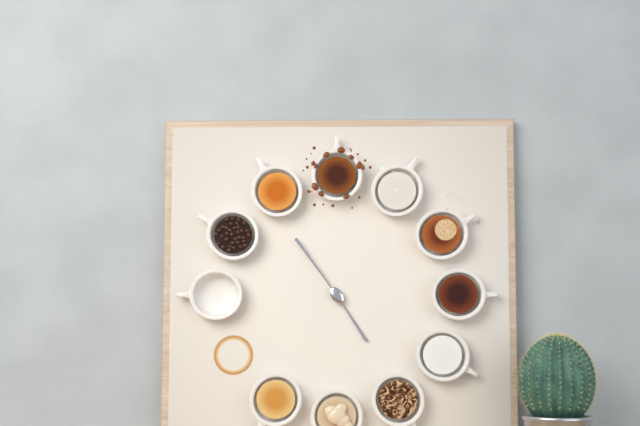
4 h 54 min
